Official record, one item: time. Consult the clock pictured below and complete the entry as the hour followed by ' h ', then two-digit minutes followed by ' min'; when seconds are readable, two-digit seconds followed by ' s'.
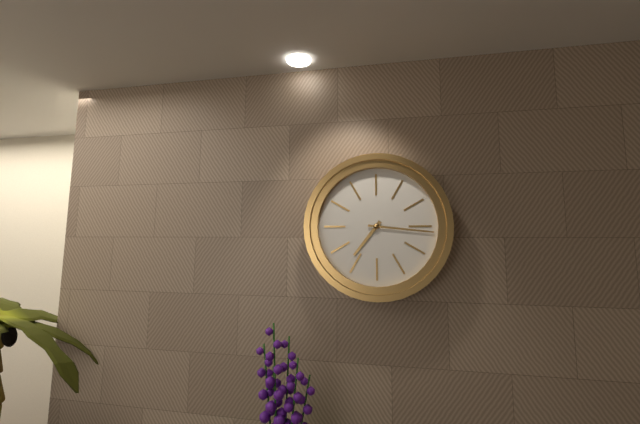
7 h 16 min
